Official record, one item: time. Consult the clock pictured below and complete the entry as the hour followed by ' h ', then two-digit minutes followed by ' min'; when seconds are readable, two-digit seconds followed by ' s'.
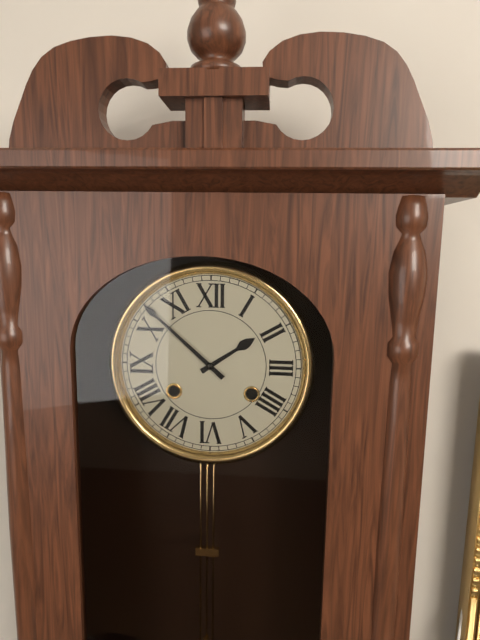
1 h 52 min
